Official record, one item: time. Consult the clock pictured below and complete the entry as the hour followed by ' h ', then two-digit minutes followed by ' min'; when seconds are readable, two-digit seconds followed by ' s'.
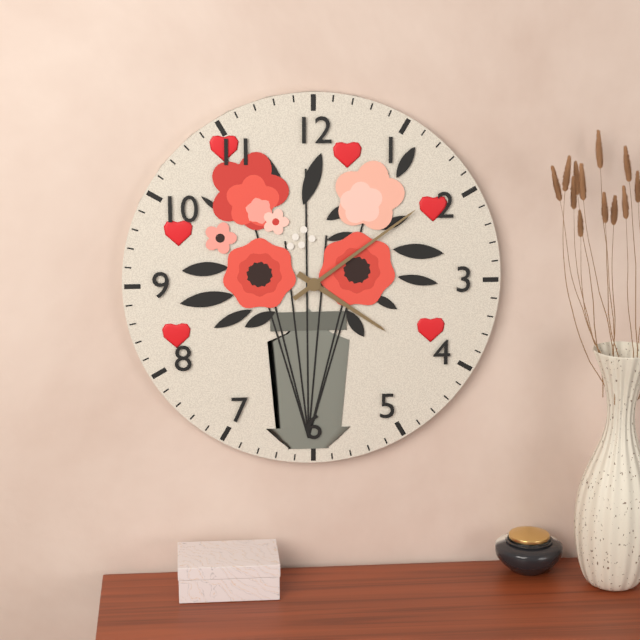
4 h 09 min
